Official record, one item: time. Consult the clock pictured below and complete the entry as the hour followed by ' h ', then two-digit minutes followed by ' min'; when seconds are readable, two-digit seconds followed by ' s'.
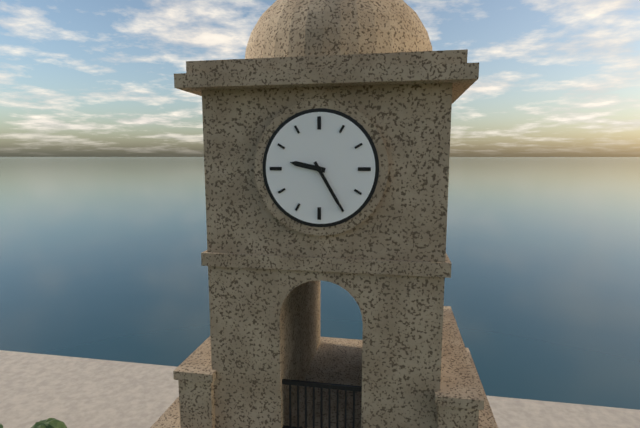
9 h 25 min
